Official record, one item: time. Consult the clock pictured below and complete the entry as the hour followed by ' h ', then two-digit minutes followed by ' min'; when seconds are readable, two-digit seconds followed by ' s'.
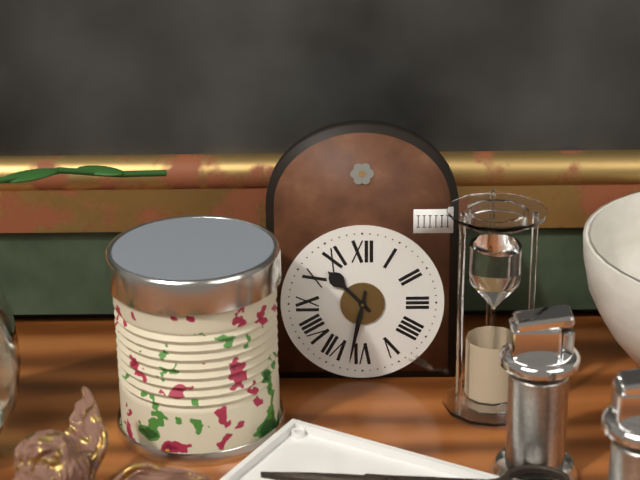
10 h 32 min
